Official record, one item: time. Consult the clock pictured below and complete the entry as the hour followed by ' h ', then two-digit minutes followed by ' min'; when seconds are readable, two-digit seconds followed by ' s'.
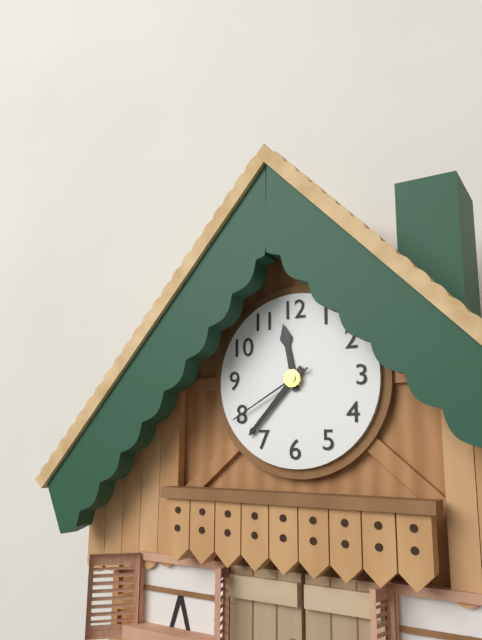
11 h 37 min 40 s
